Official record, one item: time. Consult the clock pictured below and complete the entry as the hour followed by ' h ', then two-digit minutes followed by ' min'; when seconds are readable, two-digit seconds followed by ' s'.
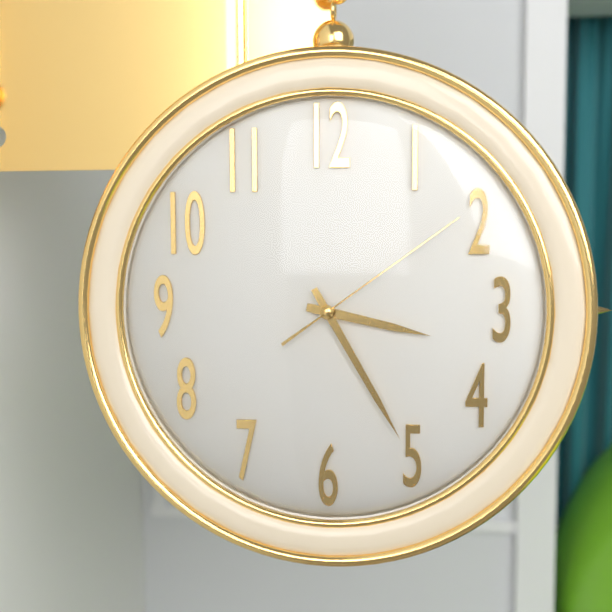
3 h 25 min 09 s
